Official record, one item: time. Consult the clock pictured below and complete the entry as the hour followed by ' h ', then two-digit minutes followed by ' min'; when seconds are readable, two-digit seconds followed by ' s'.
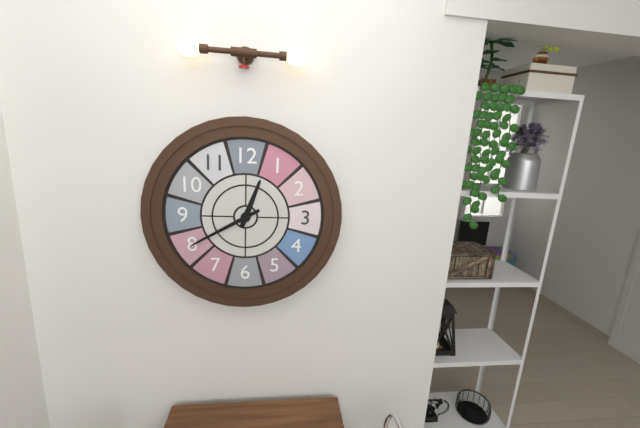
12 h 40 min
